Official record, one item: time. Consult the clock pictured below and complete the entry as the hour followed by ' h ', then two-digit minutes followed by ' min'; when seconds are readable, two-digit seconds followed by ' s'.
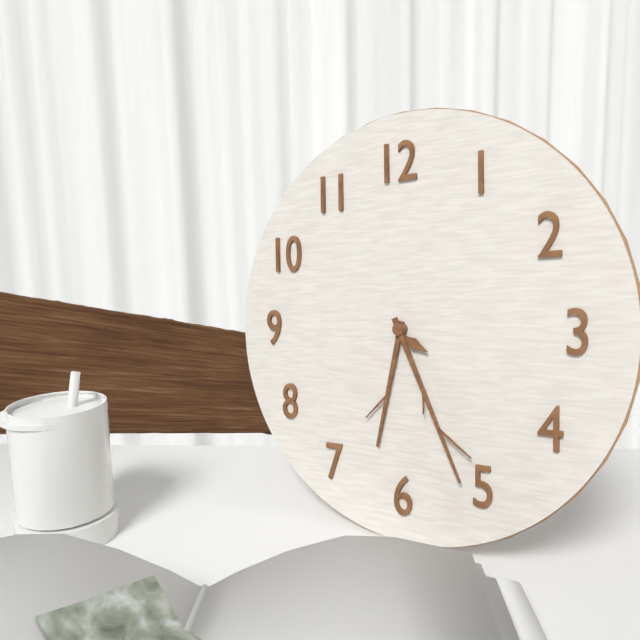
6 h 26 min
